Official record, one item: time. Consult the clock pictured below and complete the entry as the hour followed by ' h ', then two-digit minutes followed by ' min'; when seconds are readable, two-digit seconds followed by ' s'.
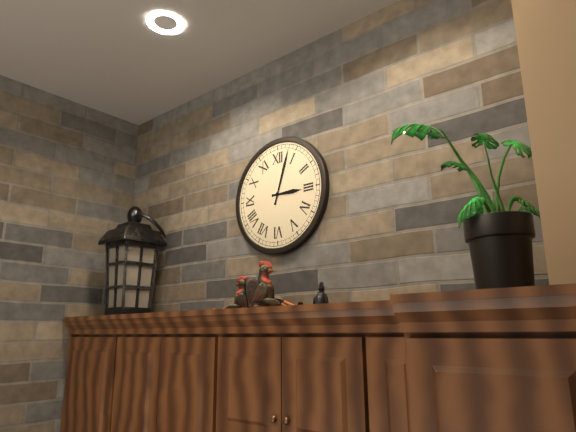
3 h 03 min
